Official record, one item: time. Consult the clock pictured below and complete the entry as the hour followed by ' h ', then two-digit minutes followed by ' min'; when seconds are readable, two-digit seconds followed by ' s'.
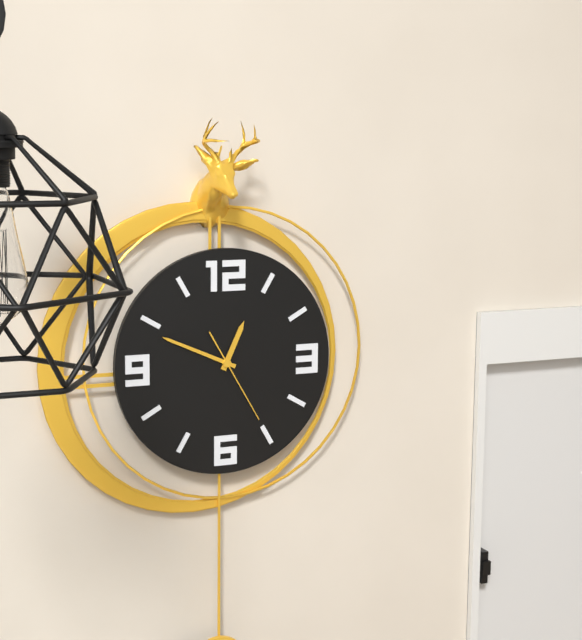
12 h 49 min 25 s
